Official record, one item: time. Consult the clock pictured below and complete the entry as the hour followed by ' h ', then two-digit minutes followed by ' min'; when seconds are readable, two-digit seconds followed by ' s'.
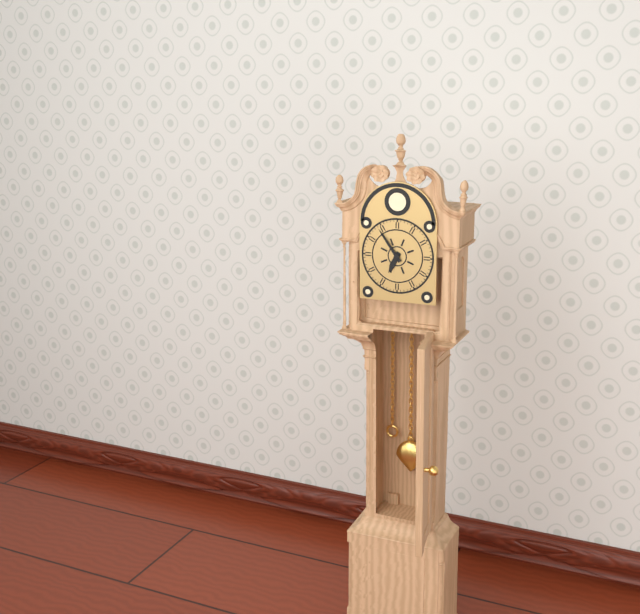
6 h 54 min
